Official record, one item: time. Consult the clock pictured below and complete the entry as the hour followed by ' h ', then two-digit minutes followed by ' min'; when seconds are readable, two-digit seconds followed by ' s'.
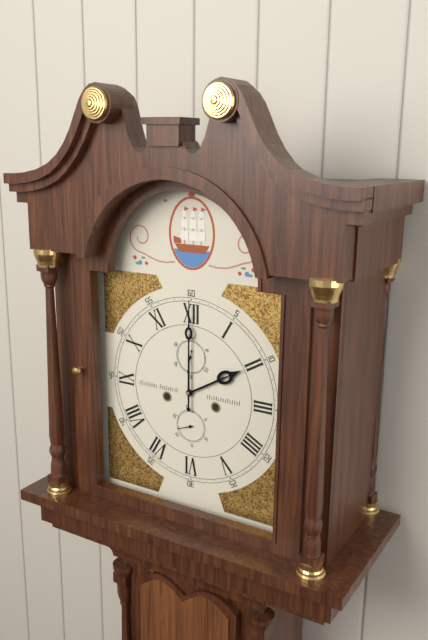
2 h 00 min
